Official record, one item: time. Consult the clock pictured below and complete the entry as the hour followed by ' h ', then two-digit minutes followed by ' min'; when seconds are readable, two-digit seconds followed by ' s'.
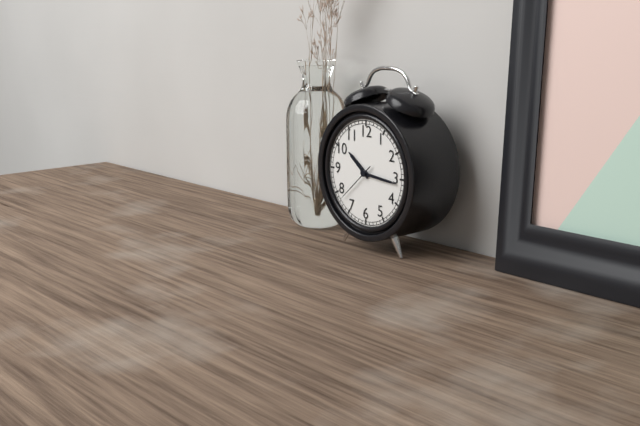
10 h 16 min
